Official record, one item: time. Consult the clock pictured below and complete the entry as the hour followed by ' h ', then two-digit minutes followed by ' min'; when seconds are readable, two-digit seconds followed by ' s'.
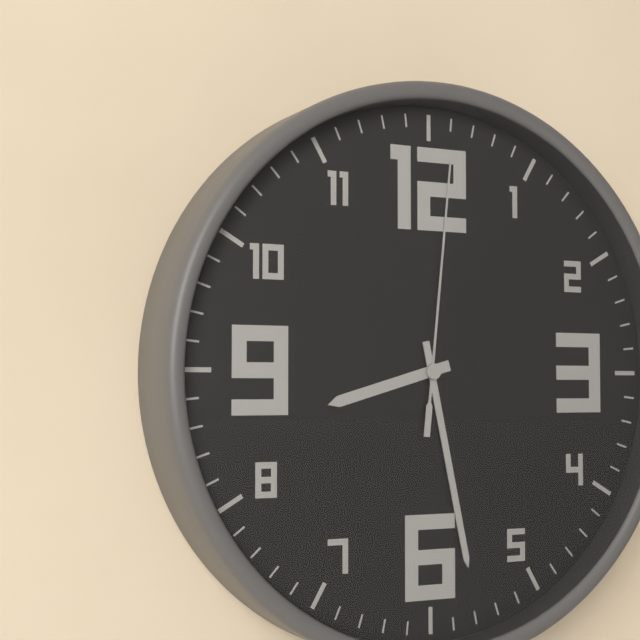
8 h 28 min 01 s
